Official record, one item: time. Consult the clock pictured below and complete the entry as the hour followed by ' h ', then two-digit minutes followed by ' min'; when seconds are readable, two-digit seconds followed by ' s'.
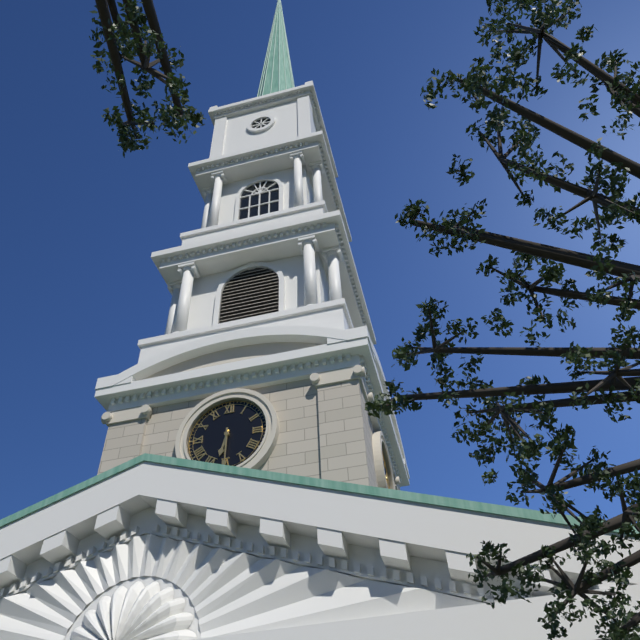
6 h 30 min
